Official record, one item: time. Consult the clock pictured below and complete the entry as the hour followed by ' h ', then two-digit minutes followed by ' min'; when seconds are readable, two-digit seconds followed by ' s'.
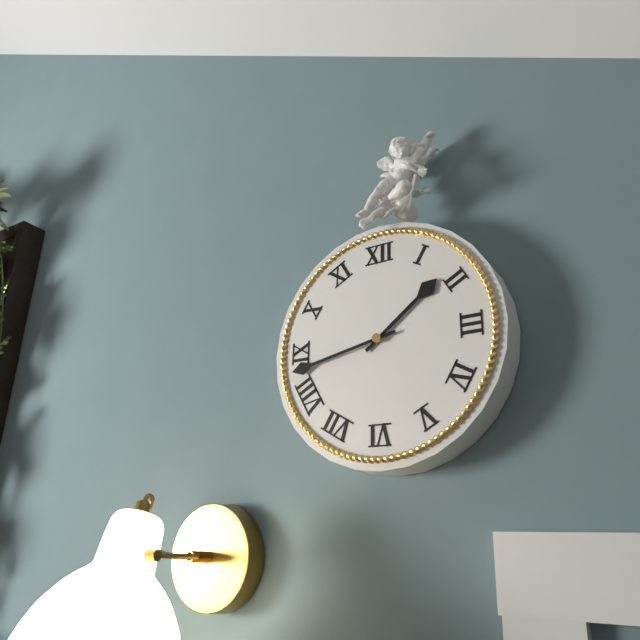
1 h 43 min
